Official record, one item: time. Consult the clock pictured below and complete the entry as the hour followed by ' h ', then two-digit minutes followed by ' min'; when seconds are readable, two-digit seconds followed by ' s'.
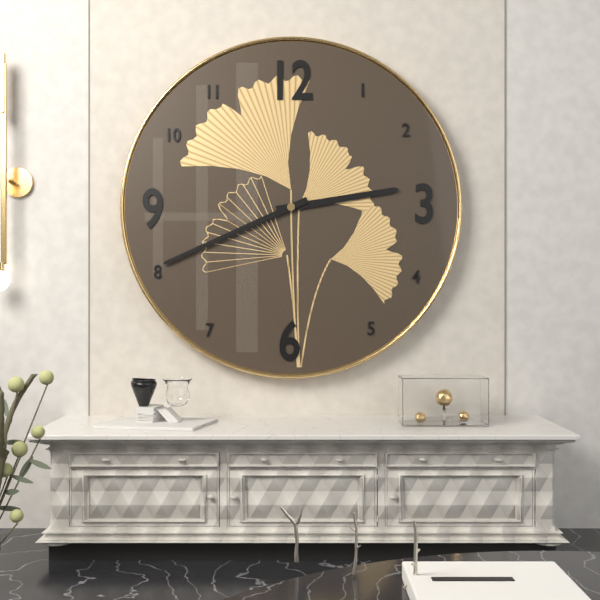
2 h 41 min
